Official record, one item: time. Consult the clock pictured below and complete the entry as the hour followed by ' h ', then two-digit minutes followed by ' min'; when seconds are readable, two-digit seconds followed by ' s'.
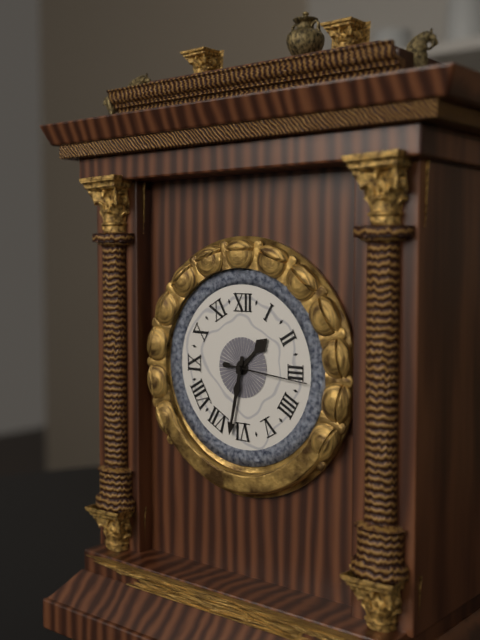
1 h 32 min 16 s
